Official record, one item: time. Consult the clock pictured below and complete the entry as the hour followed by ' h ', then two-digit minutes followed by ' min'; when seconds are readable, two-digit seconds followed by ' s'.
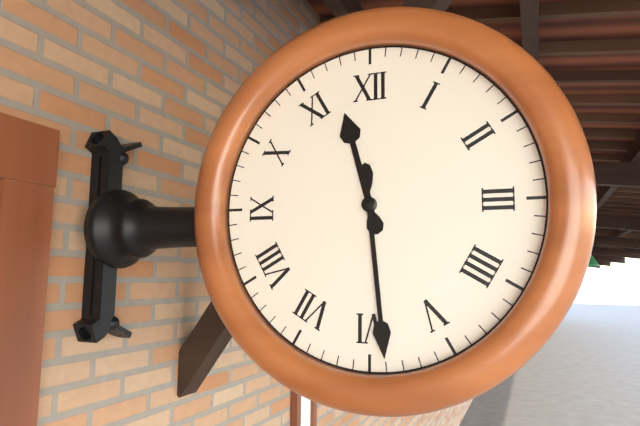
11 h 29 min
